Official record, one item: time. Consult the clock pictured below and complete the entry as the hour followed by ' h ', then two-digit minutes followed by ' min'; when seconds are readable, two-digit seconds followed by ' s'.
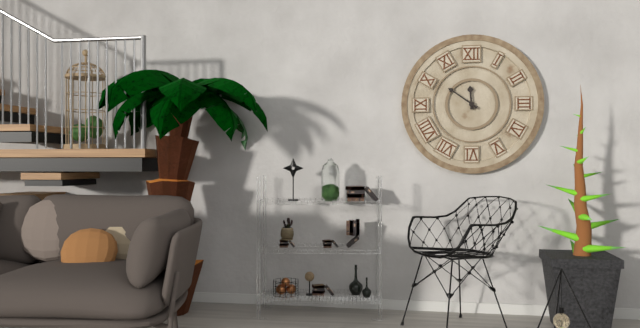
11 h 51 min
